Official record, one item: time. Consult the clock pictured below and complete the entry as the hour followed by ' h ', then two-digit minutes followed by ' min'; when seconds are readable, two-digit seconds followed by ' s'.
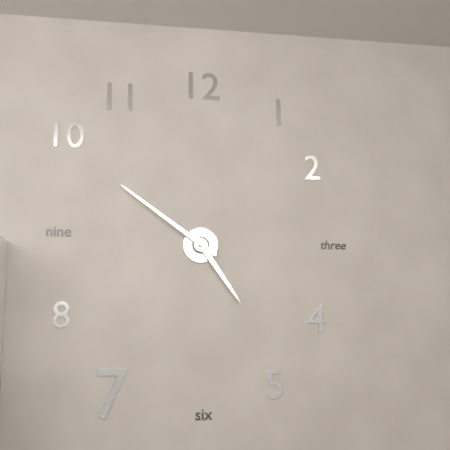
4 h 51 min
